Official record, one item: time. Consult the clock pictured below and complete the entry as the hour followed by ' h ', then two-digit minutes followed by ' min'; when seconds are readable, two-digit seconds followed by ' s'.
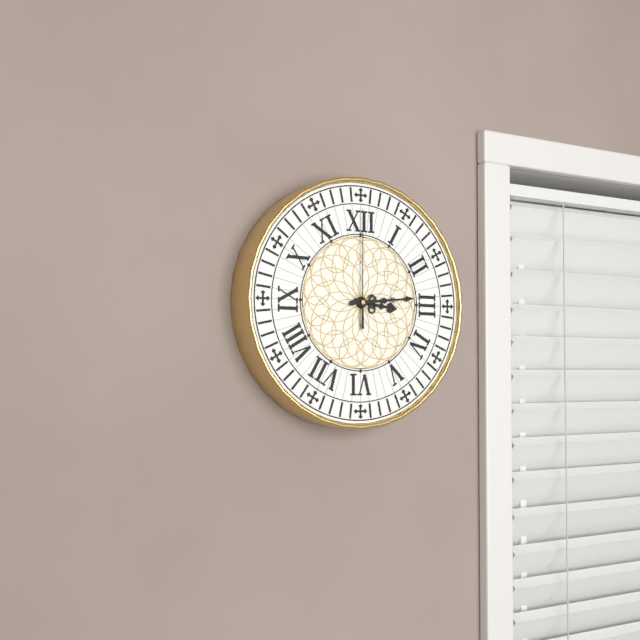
3 h 14 min 00 s
